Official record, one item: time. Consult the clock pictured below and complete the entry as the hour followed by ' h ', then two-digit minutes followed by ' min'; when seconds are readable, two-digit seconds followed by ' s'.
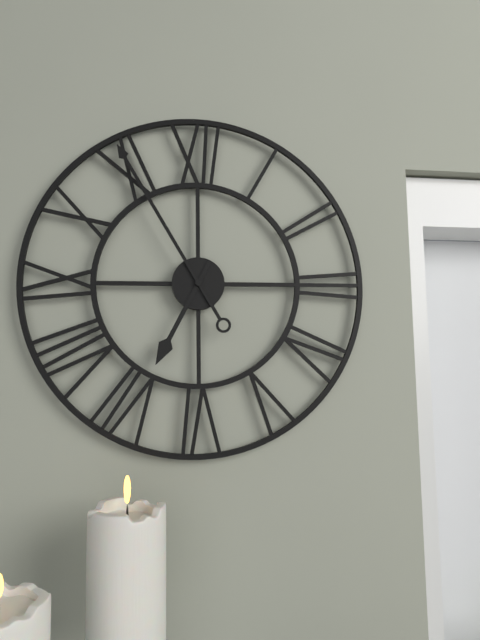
6 h 55 min
